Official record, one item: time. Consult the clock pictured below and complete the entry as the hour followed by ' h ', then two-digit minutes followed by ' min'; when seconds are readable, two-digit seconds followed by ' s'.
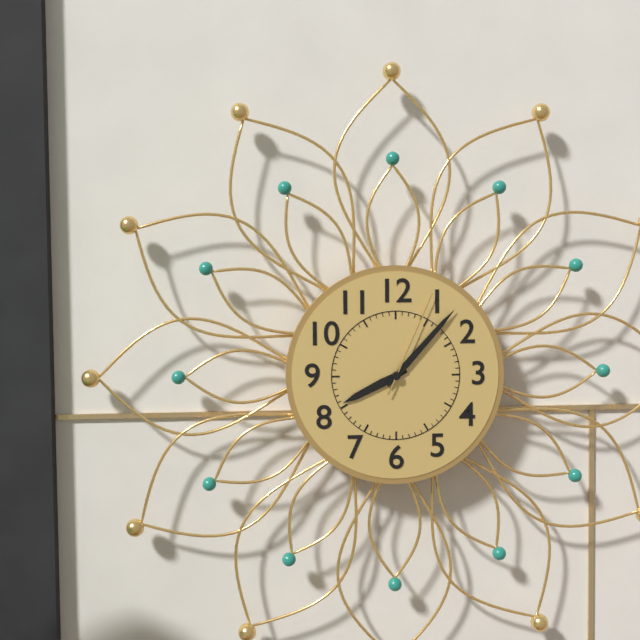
8 h 07 min 04 s
